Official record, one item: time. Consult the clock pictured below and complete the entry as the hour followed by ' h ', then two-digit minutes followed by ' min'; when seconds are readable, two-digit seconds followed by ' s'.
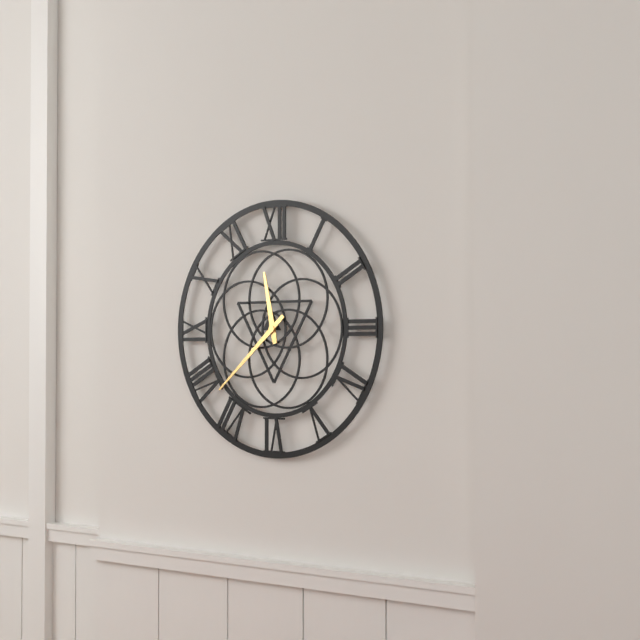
11 h 38 min
